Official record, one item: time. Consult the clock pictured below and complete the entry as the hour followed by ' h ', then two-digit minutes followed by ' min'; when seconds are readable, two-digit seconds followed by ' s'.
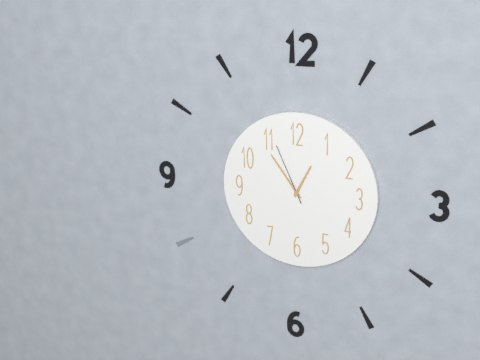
12 h 54 min 56 s
